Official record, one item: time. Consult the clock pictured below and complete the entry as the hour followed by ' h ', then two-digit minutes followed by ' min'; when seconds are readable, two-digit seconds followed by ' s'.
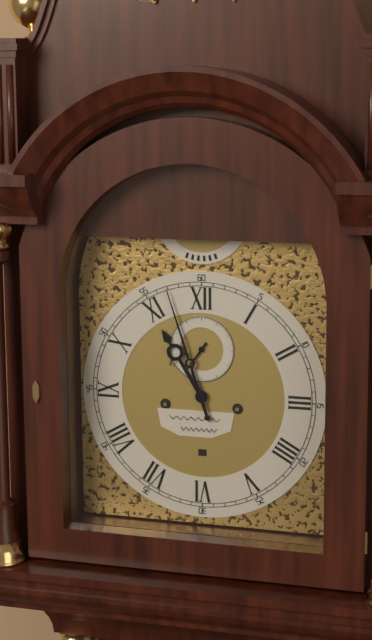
10 h 57 min
